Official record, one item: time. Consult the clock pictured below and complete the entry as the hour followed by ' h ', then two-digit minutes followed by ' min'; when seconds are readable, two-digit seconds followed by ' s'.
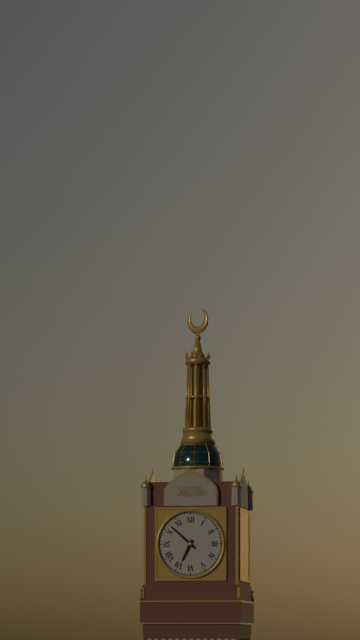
6 h 52 min
